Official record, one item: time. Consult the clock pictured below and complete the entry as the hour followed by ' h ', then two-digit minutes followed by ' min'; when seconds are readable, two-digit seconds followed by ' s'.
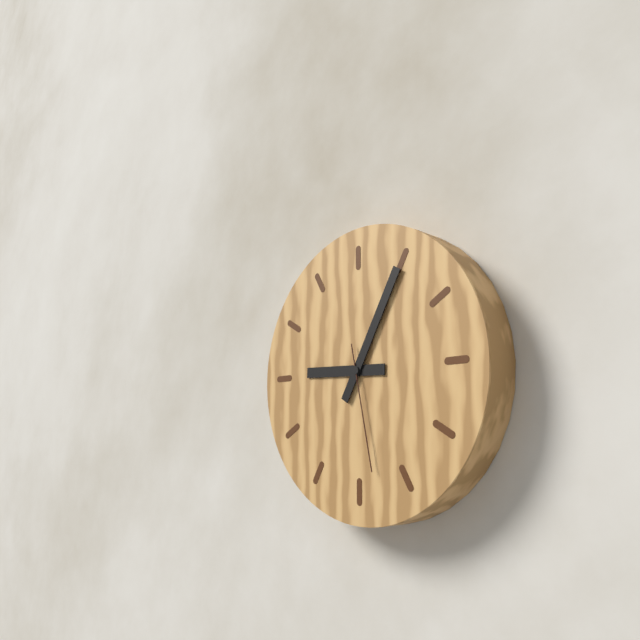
9 h 05 min 28 s
